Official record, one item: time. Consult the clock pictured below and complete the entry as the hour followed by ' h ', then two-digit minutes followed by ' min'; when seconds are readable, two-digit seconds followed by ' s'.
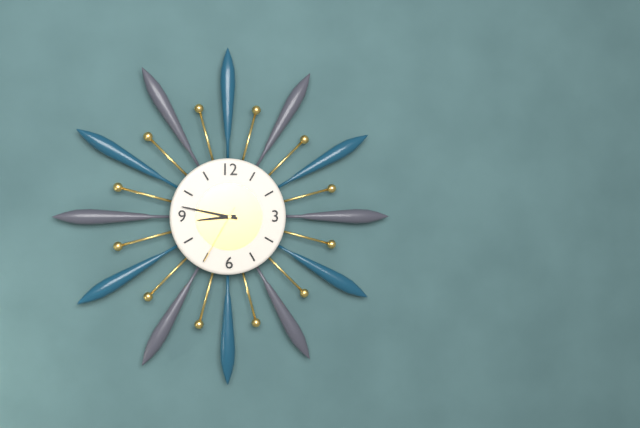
8 h 47 min 35 s
